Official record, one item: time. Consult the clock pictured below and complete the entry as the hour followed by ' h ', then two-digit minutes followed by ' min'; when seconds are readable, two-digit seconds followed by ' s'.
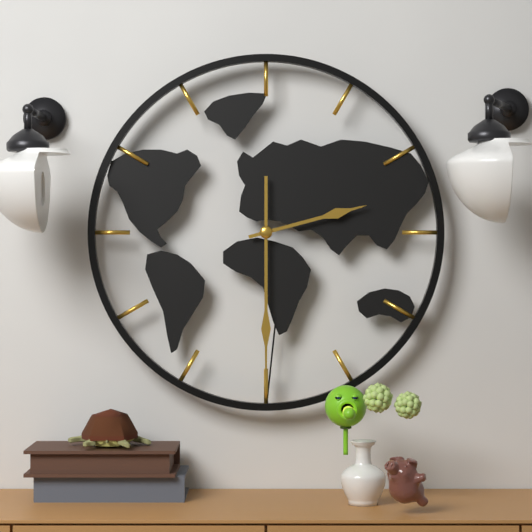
2 h 30 min
